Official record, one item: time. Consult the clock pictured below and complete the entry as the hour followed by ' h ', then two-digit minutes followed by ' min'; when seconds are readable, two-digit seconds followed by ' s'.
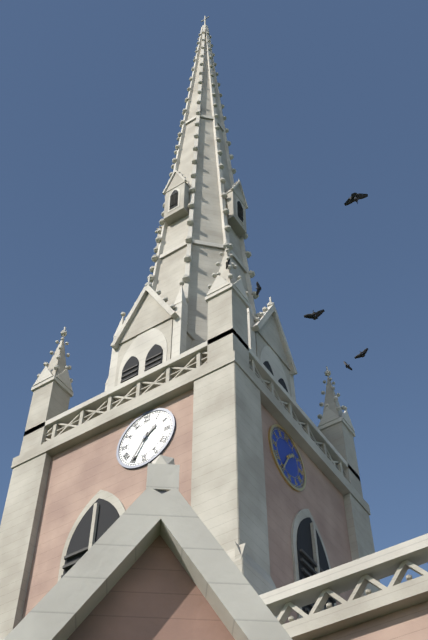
1 h 35 min
